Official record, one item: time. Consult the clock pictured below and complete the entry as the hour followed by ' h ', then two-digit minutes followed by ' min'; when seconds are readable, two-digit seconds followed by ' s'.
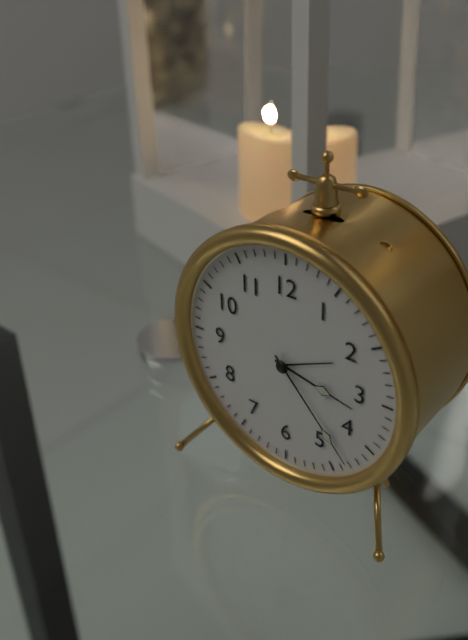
3 h 23 min
